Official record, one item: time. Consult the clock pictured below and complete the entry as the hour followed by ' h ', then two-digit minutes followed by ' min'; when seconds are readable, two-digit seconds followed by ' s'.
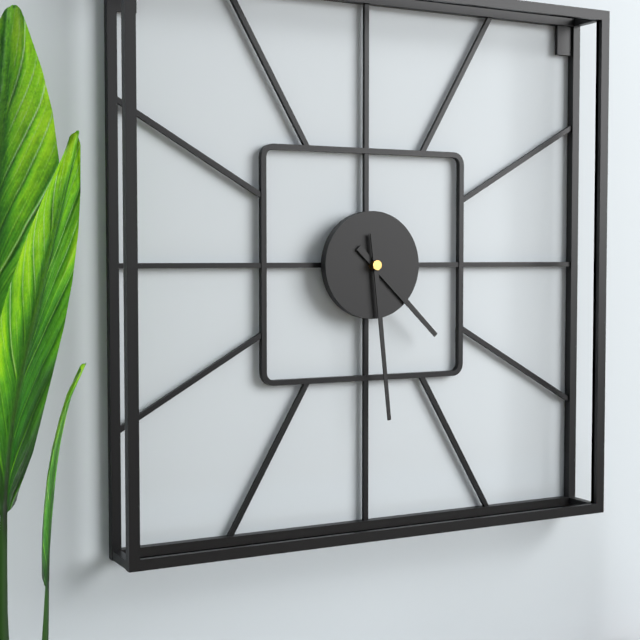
4 h 29 min
